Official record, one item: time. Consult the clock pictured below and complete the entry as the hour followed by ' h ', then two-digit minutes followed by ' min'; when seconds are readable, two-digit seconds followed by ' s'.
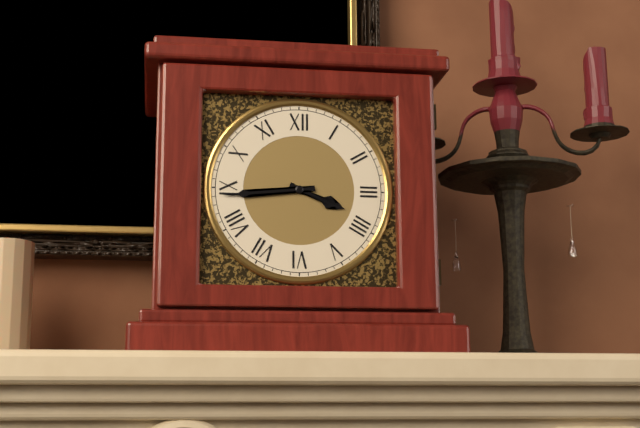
3 h 44 min
